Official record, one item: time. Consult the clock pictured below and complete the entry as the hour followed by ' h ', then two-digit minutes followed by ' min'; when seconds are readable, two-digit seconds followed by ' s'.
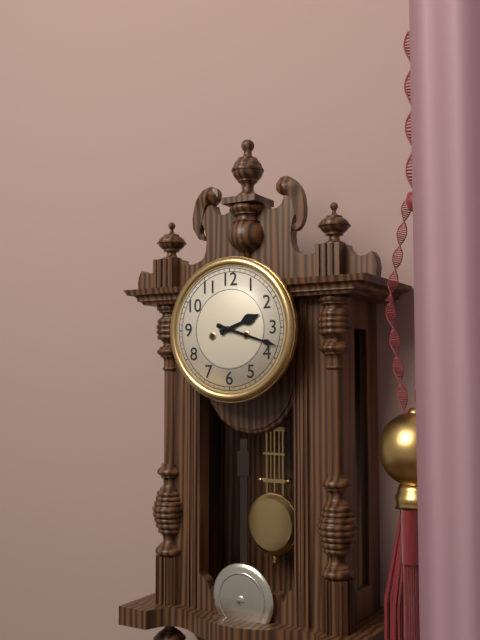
2 h 18 min
